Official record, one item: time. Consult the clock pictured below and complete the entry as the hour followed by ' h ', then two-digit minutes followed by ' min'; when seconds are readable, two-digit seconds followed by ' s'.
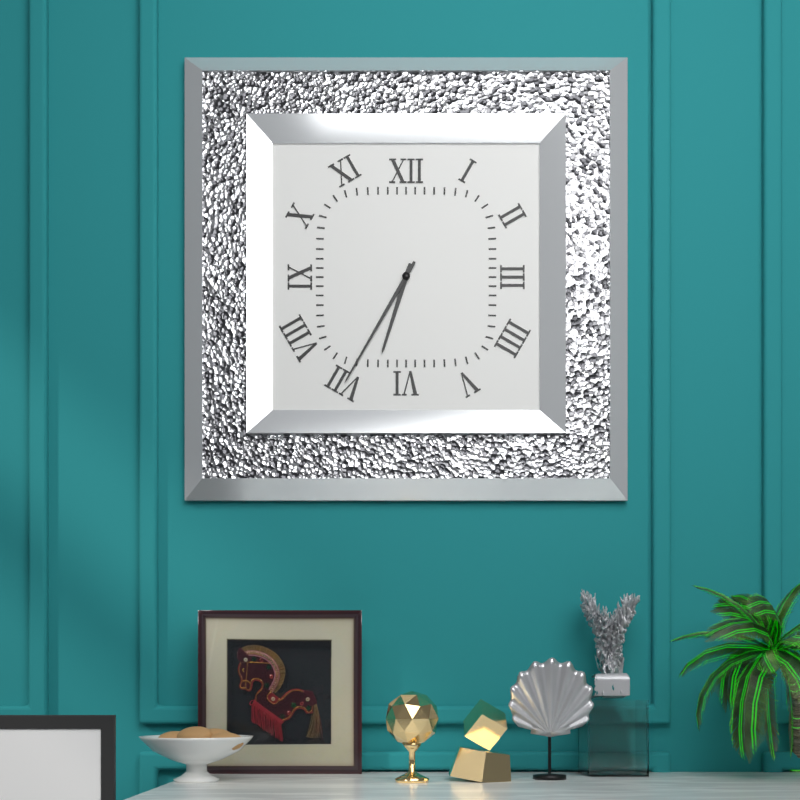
6 h 35 min
